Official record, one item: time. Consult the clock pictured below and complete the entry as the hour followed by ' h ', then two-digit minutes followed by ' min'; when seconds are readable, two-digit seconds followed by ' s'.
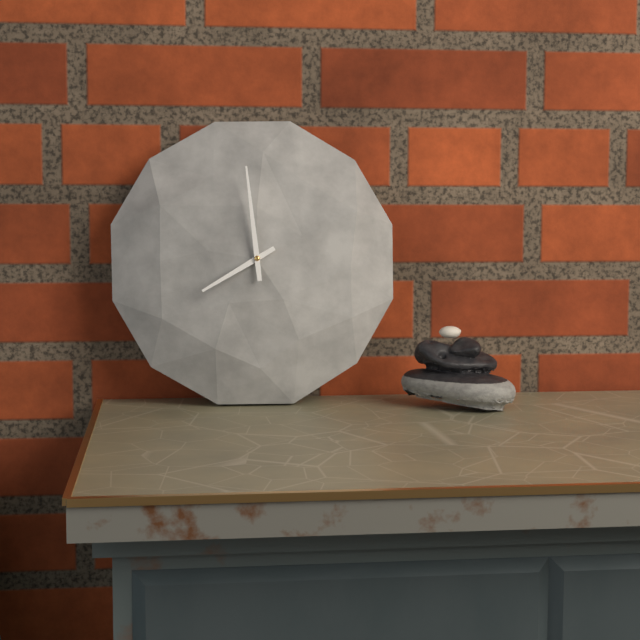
7 h 59 min
